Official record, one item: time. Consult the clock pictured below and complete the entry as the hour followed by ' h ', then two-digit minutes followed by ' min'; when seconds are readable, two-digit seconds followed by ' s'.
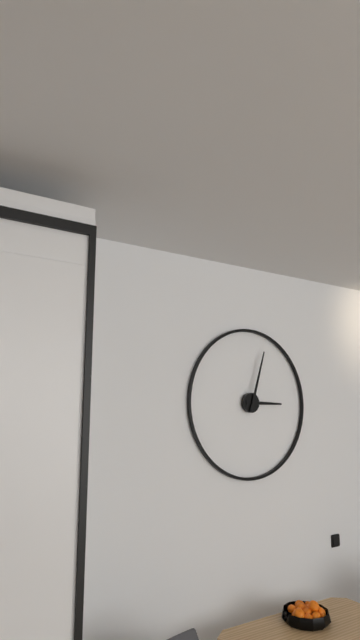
3 h 03 min
